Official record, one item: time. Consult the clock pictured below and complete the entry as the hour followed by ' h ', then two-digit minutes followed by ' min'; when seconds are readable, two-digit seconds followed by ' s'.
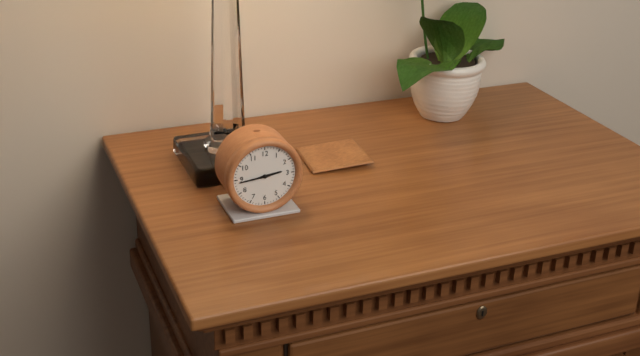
2 h 44 min
